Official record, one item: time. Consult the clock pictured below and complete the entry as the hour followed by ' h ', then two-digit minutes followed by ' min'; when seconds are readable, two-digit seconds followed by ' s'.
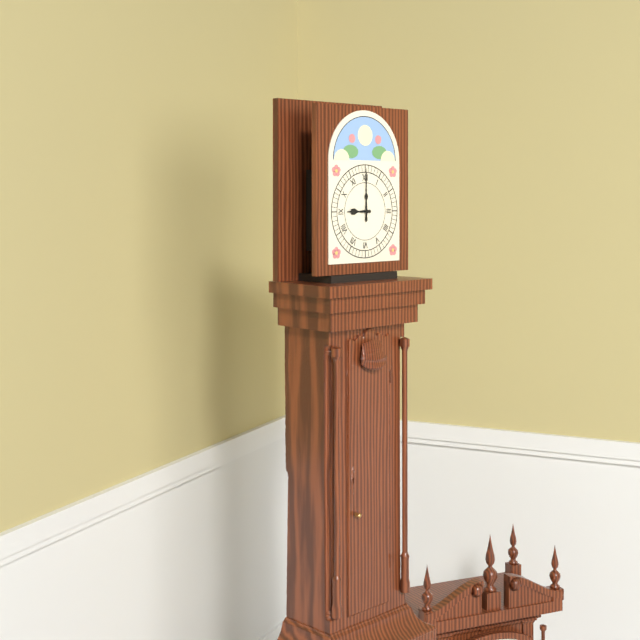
9 h 00 min
